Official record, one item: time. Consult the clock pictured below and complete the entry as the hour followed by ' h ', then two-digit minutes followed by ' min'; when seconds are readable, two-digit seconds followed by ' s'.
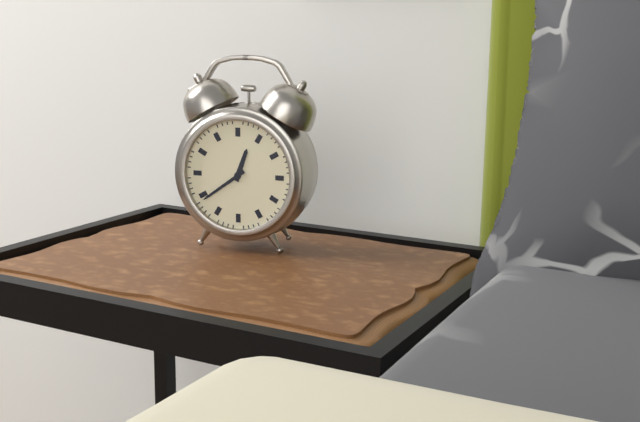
12 h 39 min
